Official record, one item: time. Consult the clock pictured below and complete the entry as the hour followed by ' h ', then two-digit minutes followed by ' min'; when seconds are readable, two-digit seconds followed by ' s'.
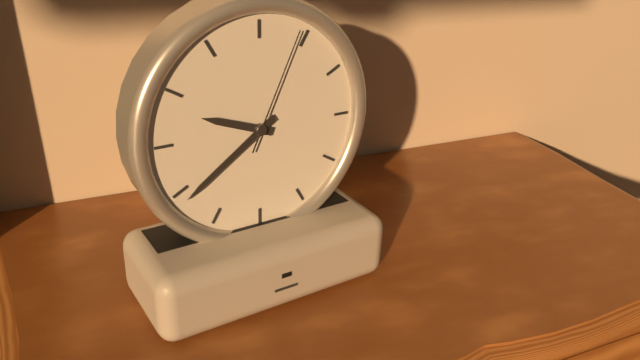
9 h 39 min 04 s
